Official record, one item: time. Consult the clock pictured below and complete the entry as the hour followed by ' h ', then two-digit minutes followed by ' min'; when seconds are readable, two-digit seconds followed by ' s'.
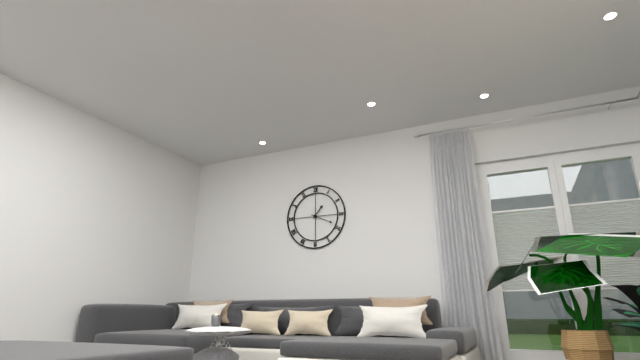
1 h 19 min
